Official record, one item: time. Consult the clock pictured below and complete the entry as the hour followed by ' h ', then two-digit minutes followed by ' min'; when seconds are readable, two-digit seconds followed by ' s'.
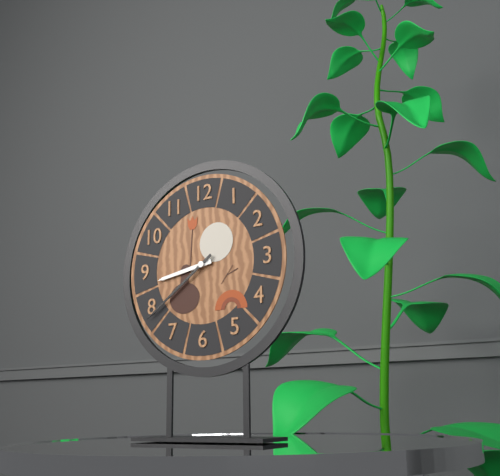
8 h 39 min
